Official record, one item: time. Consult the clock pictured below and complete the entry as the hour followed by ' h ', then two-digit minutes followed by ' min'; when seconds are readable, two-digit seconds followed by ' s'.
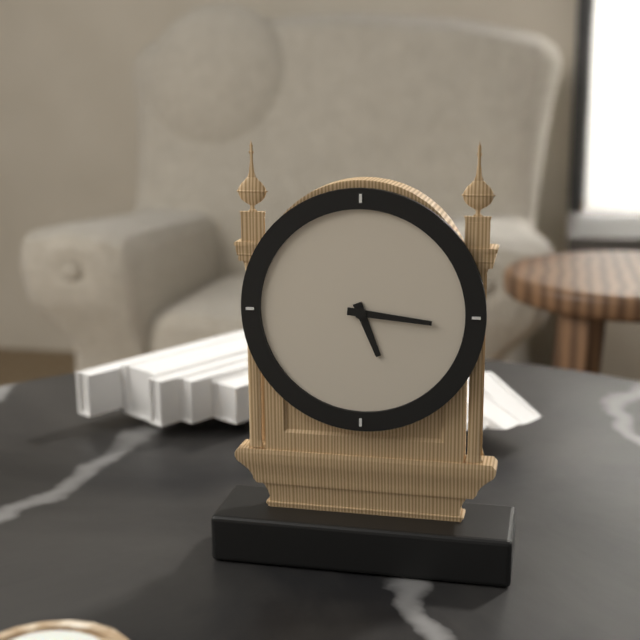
5 h 16 min
